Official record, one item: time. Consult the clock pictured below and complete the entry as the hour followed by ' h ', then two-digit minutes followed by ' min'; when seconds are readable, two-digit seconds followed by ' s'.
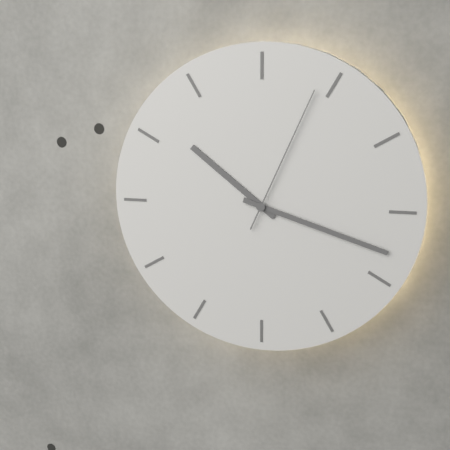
10 h 18 min 04 s
